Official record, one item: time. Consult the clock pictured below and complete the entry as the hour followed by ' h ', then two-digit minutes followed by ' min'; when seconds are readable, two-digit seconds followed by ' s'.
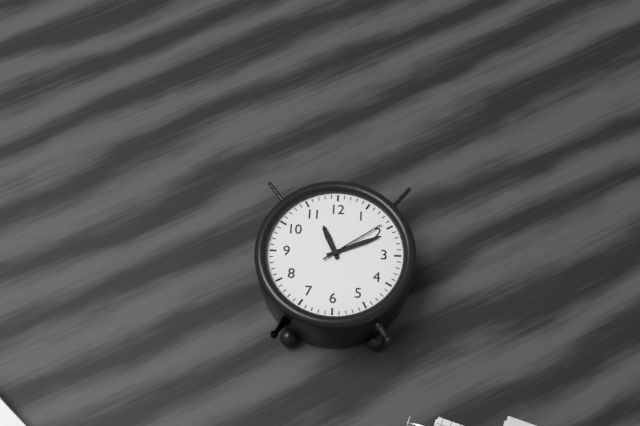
11 h 11 min 09 s
